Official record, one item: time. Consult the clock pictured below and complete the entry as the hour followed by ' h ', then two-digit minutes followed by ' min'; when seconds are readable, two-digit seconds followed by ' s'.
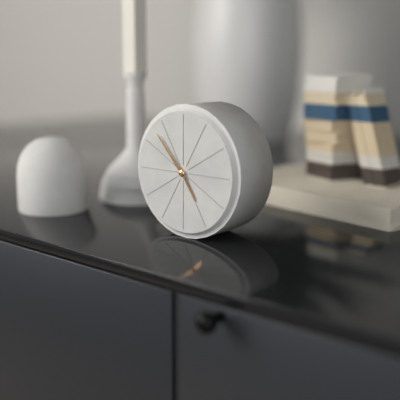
4 h 53 min
